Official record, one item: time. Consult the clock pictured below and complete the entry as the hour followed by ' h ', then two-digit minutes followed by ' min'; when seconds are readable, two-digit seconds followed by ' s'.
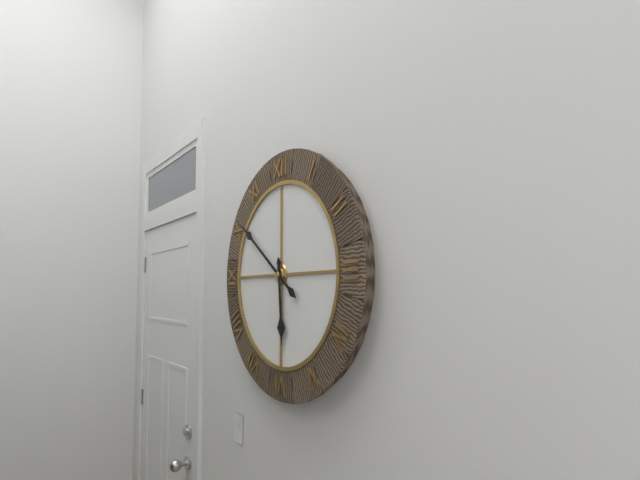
5 h 51 min
